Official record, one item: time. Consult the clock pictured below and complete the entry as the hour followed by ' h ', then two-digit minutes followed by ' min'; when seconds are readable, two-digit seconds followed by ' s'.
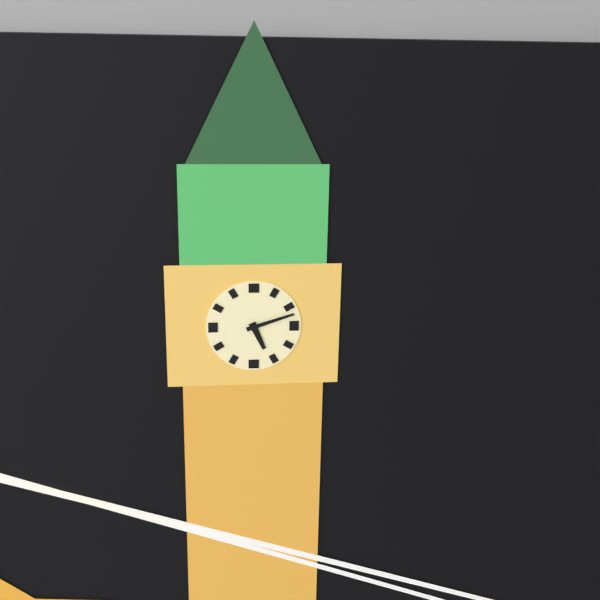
5 h 12 min
